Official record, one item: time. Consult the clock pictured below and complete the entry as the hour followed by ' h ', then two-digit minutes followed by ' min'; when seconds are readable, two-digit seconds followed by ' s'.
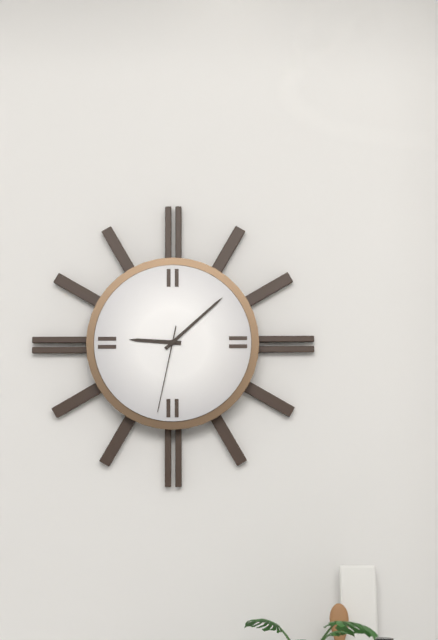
9 h 08 min 32 s
